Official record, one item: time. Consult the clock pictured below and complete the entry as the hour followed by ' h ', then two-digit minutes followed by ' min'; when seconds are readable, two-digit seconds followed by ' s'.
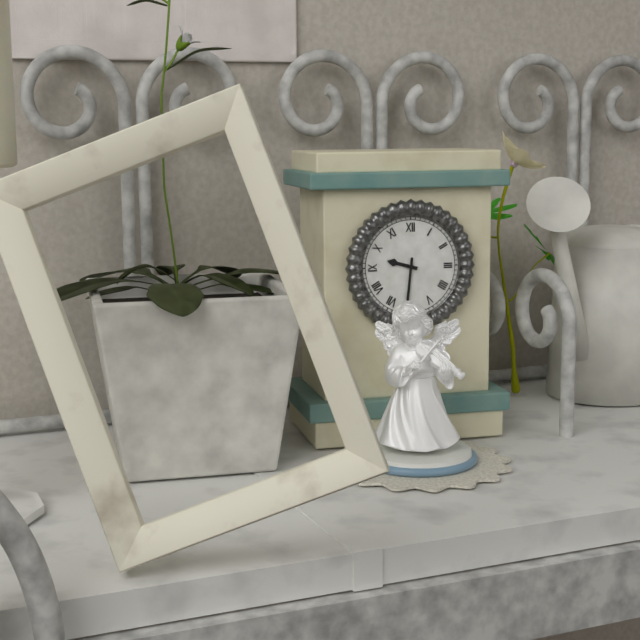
9 h 31 min
